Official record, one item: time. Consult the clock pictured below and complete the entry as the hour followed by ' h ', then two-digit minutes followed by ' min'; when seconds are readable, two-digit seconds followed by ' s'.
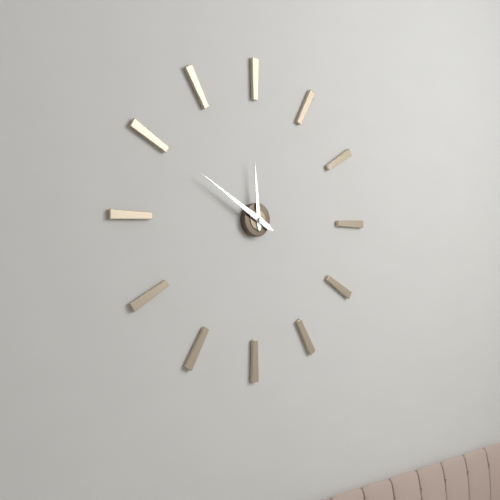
11 h 50 min
